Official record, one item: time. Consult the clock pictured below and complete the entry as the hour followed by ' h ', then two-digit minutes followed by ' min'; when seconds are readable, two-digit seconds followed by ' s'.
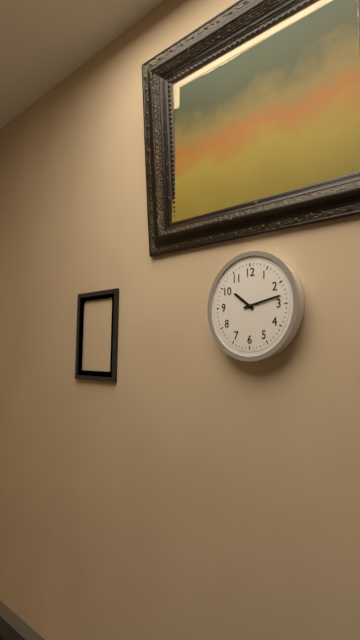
10 h 13 min
